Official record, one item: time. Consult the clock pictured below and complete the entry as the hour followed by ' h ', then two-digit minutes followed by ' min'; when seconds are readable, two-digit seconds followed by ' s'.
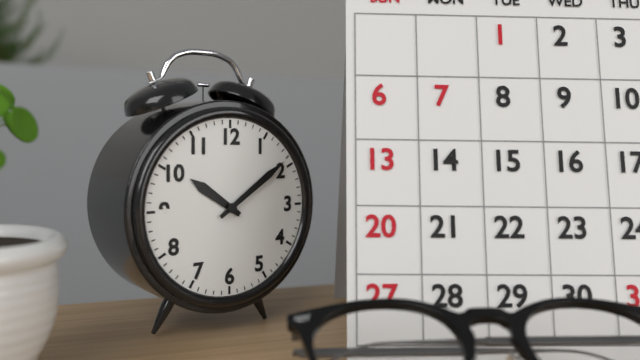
10 h 09 min
